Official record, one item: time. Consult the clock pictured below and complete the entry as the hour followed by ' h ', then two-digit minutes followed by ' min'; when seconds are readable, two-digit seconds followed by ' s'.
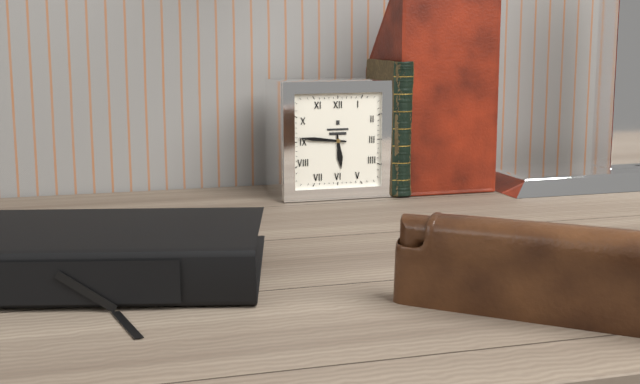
5 h 46 min
